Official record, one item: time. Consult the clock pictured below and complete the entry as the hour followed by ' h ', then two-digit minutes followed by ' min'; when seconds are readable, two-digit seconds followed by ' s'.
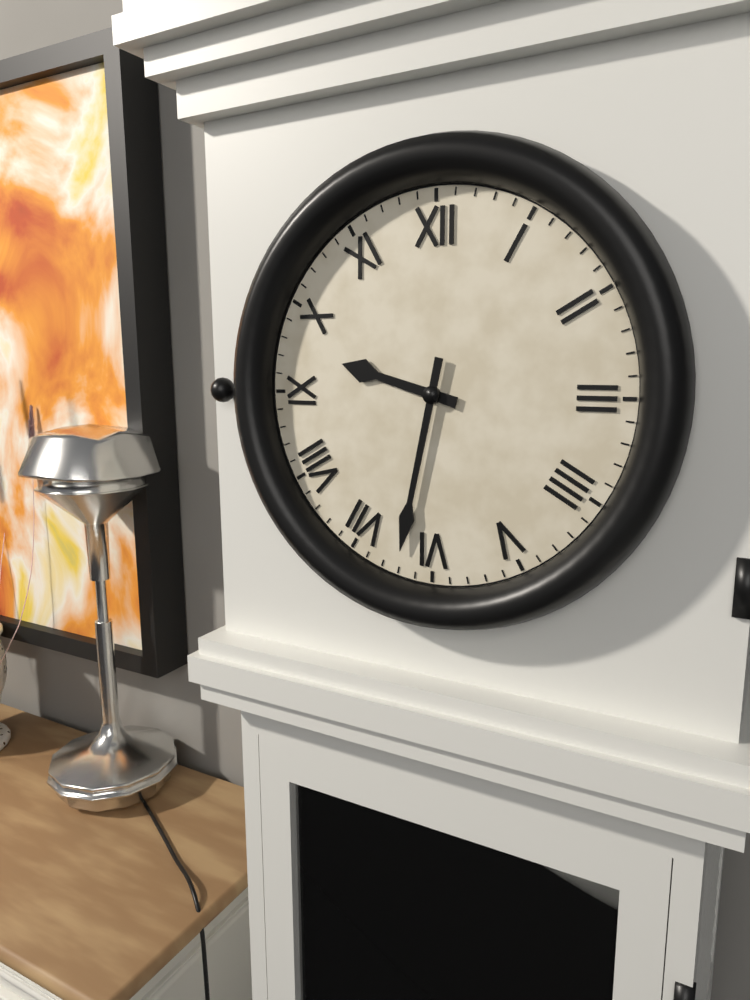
9 h 32 min
